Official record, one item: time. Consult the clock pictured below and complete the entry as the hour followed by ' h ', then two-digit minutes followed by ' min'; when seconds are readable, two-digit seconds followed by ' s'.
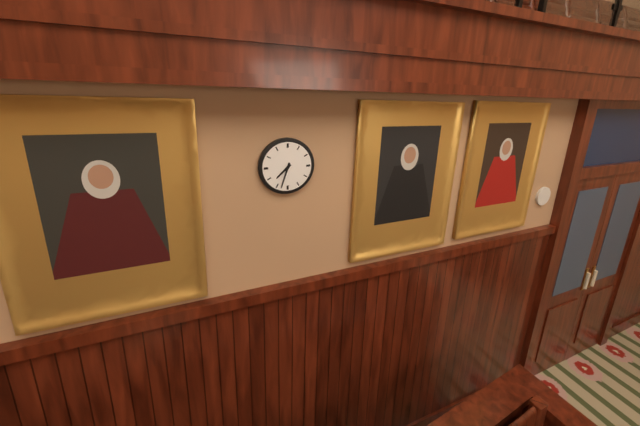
7 h 33 min
